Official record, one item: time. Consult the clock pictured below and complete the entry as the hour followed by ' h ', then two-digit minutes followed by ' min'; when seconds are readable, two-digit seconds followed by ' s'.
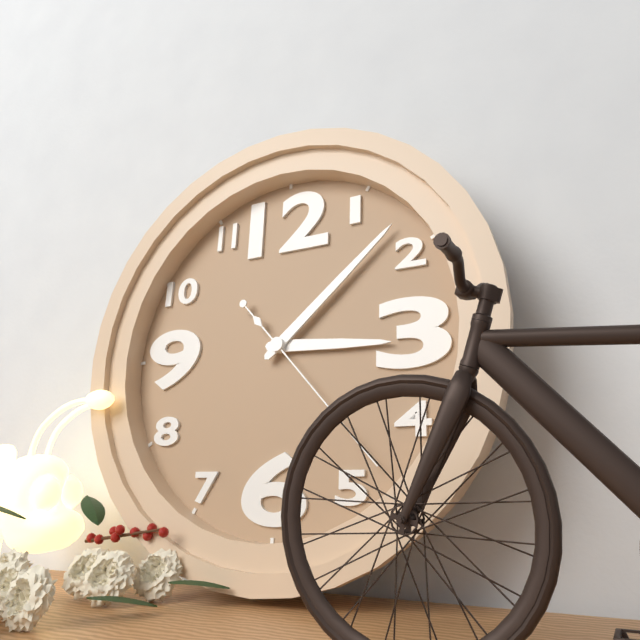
3 h 08 min
